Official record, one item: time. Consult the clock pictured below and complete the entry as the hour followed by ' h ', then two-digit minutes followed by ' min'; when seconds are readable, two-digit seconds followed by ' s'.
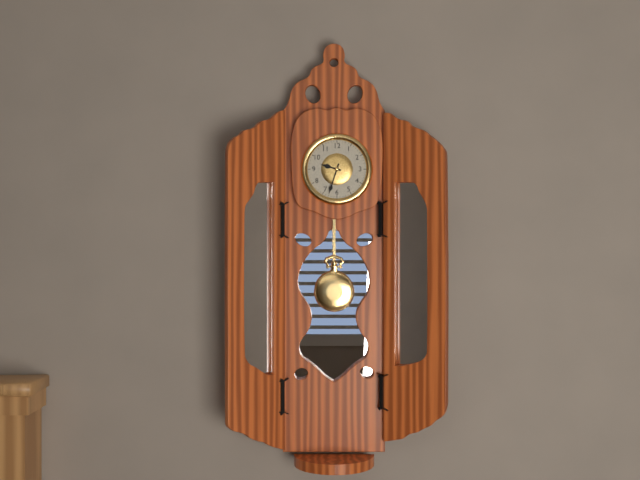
9 h 33 min
